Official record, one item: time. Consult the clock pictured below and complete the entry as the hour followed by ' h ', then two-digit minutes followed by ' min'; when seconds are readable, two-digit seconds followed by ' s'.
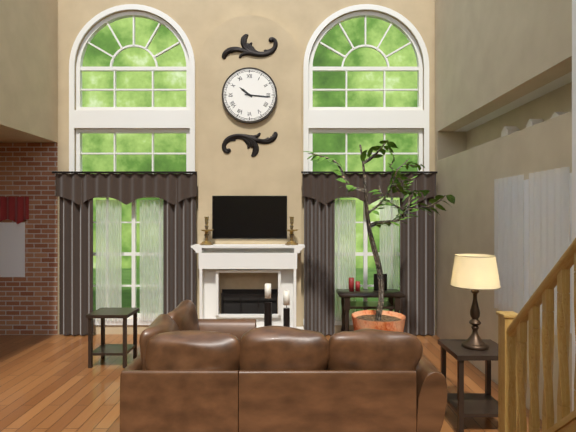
10 h 16 min
